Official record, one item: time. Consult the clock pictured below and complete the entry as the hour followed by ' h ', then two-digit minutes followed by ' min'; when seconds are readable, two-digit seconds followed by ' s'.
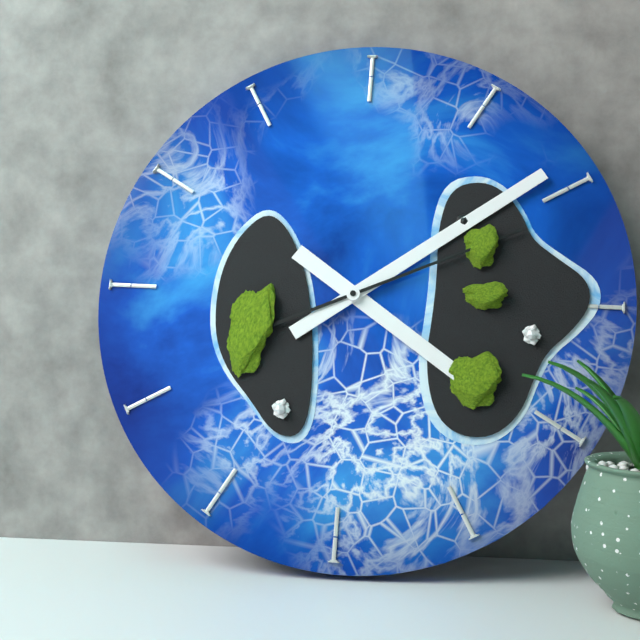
4 h 09 min 11 s
